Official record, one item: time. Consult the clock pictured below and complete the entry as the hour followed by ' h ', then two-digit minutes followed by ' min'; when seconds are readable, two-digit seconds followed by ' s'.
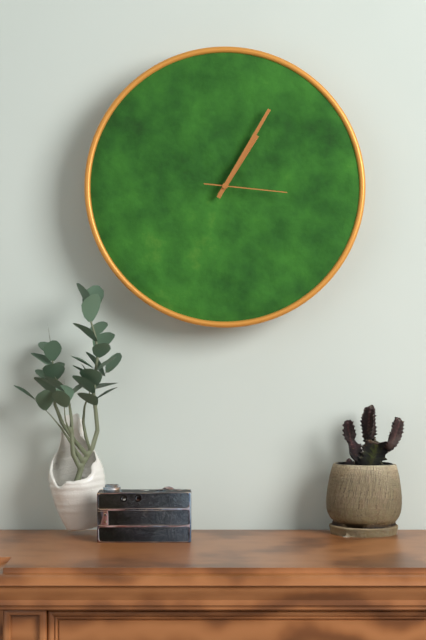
1 h 05 min 16 s
